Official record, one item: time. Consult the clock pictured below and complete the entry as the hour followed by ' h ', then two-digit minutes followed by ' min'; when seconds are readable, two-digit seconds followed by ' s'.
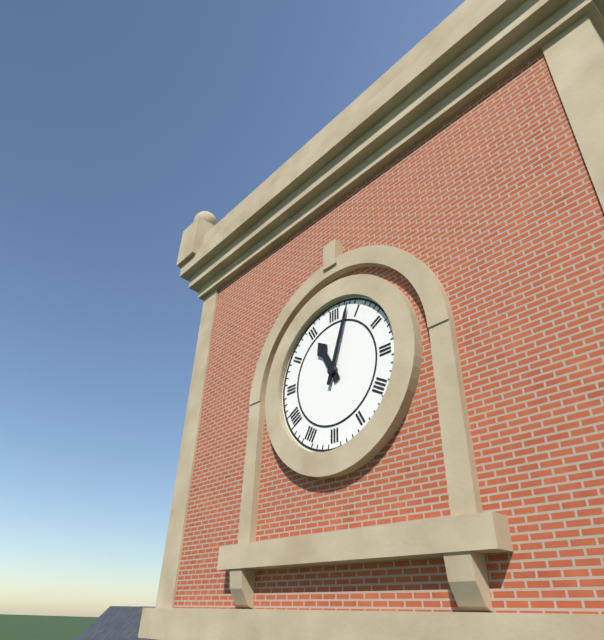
11 h 03 min
